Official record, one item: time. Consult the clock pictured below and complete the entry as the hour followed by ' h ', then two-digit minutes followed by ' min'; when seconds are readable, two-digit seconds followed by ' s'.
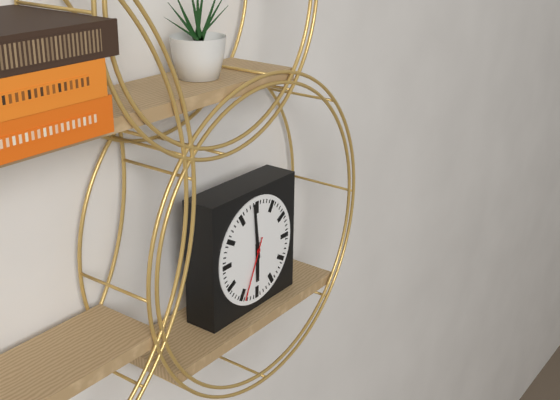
5 h 59 min 34 s
